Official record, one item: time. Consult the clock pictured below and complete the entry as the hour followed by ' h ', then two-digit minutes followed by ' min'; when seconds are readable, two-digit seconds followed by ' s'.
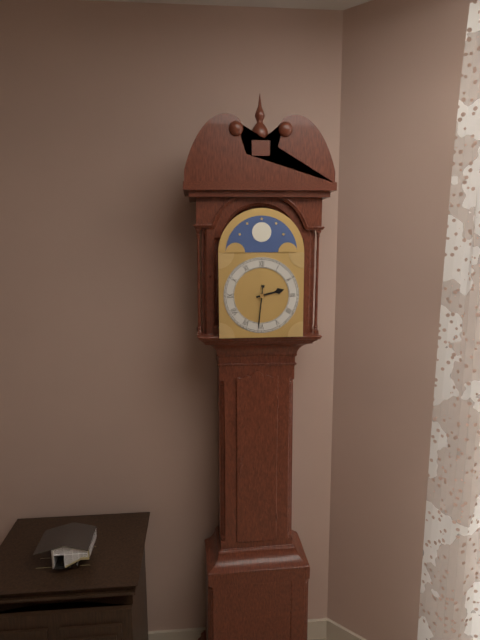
2 h 31 min
